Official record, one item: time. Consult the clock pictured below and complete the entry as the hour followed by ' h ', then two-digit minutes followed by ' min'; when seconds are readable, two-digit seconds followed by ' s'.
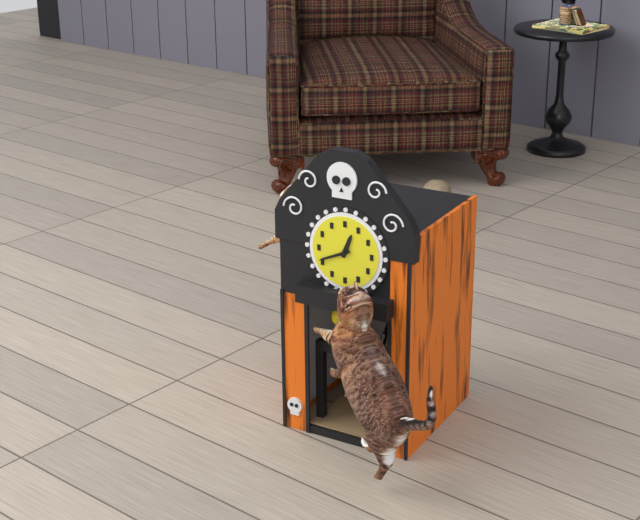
12 h 41 min
